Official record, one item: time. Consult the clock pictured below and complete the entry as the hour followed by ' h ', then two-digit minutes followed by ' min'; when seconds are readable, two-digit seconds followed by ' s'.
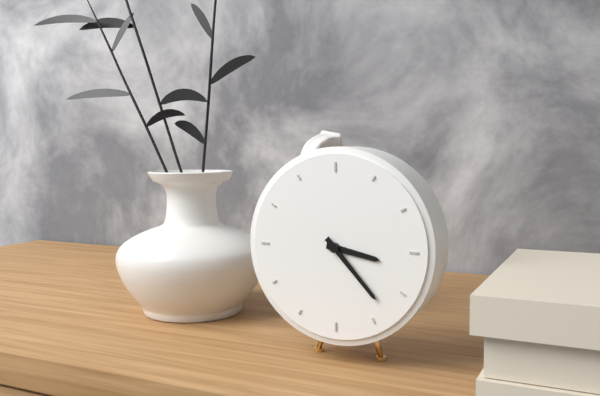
3 h 23 min
